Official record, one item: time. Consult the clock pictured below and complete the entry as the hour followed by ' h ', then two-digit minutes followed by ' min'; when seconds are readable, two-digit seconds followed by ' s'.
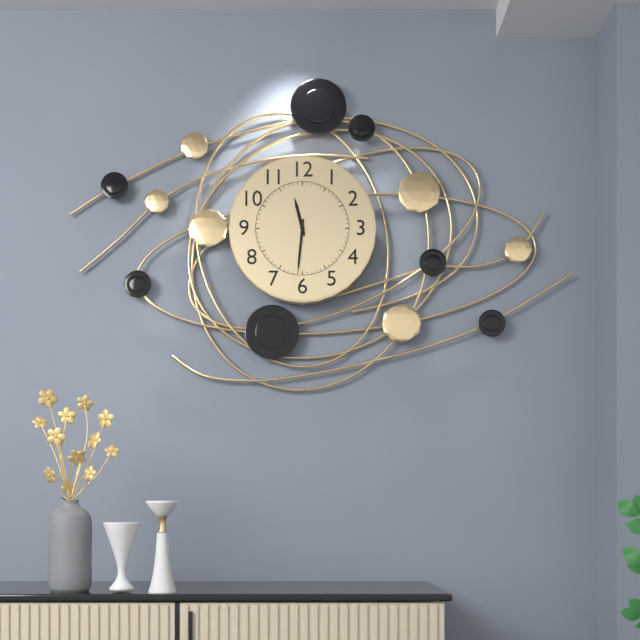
11 h 31 min
